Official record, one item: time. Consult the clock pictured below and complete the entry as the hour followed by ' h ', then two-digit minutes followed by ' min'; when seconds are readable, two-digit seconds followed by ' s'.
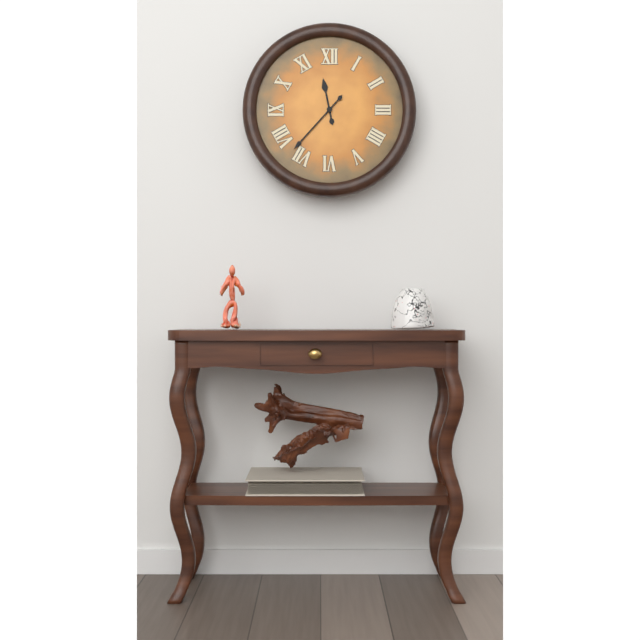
11 h 37 min
